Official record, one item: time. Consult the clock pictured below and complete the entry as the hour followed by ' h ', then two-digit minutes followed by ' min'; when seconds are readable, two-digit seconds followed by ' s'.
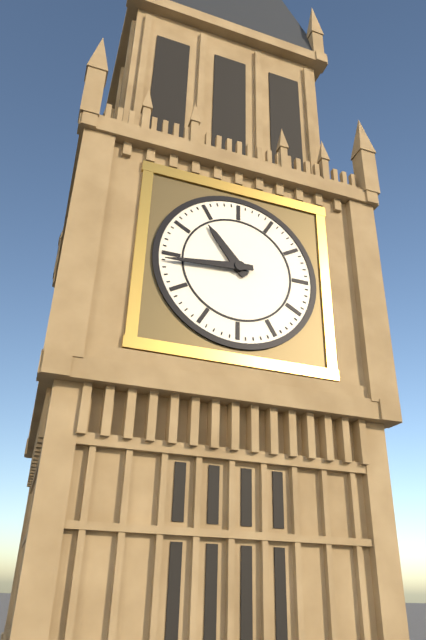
10 h 44 min
